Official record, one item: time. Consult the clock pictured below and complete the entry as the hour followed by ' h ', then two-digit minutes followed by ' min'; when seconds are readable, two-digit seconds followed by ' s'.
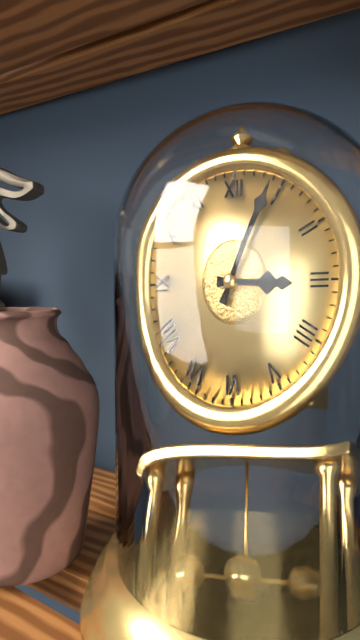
3 h 04 min
